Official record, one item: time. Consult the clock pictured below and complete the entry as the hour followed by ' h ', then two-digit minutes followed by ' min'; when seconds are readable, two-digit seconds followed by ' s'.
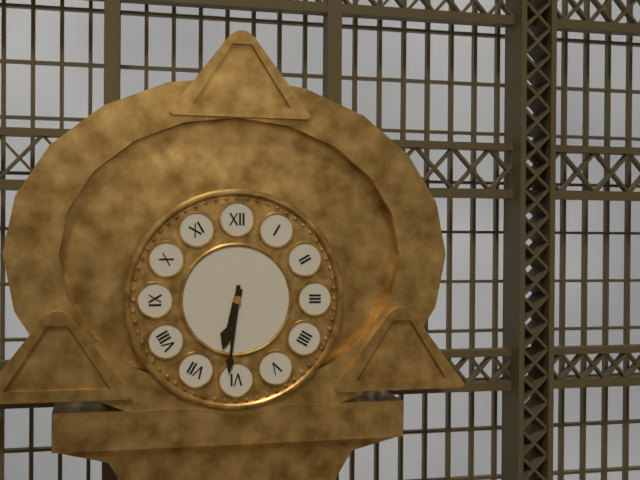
6 h 31 min
